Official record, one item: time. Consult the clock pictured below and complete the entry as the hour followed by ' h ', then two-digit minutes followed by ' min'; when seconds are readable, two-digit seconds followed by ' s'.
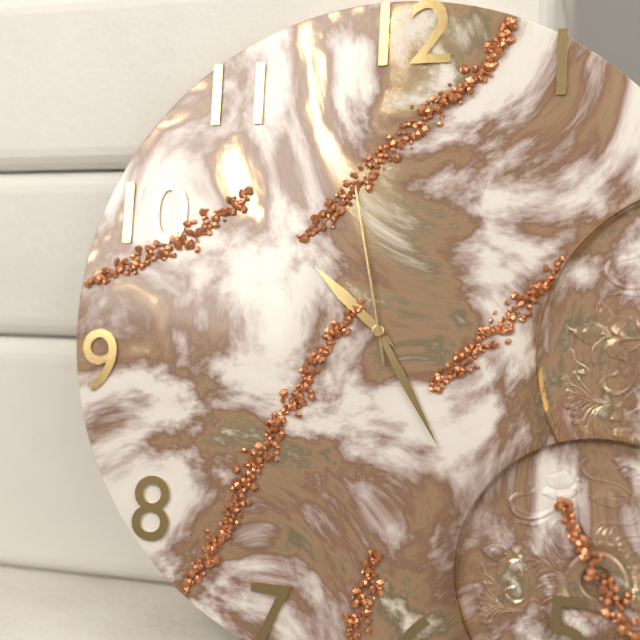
10 h 25 min 58 s
